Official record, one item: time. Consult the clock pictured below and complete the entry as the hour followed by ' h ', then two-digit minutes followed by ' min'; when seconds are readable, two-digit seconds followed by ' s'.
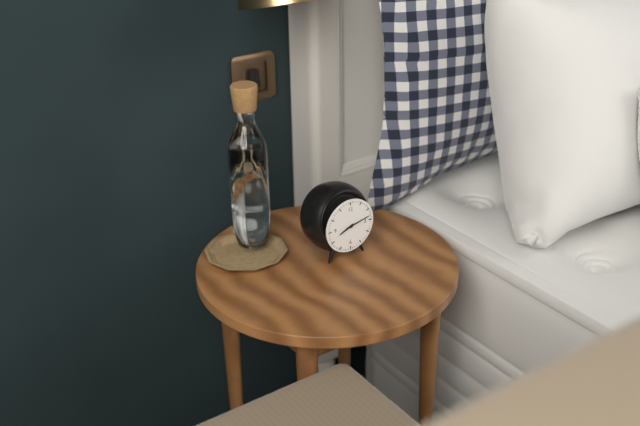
8 h 13 min
